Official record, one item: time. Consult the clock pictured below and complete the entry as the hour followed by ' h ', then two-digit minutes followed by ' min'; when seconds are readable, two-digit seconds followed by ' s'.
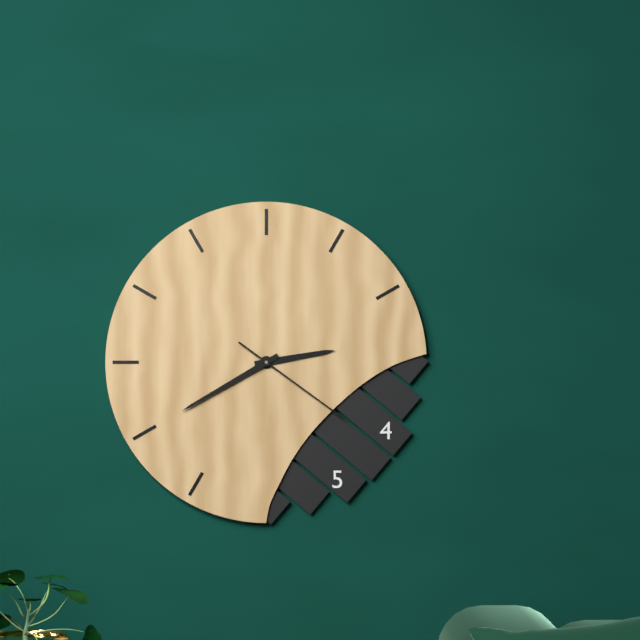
2 h 40 min 21 s
